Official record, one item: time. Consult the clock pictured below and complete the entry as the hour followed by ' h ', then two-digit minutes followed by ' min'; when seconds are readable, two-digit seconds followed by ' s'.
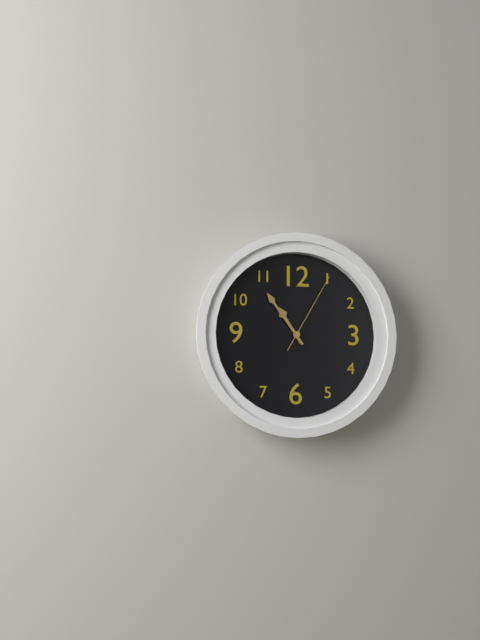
10 h 54 min 05 s
